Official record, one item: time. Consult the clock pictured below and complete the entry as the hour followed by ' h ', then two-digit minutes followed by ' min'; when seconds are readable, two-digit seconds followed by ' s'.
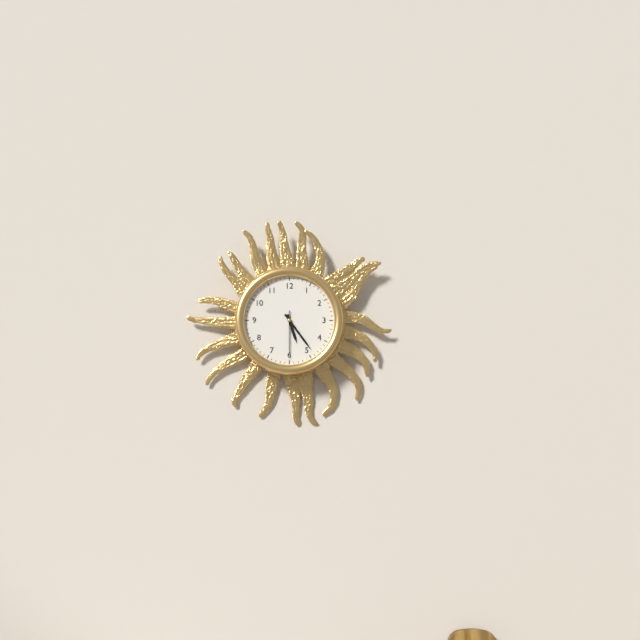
5 h 24 min
